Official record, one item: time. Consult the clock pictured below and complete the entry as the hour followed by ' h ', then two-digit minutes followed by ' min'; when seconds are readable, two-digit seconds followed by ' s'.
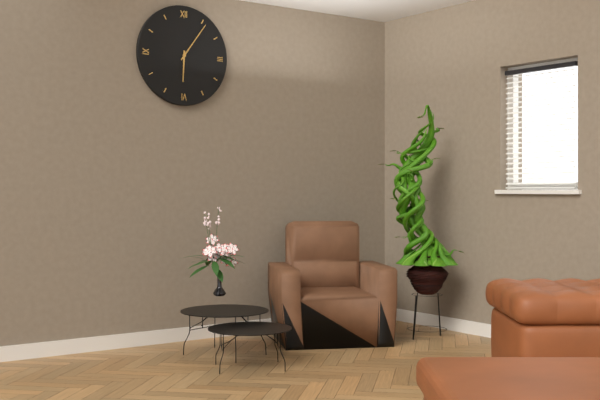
6 h 06 min
